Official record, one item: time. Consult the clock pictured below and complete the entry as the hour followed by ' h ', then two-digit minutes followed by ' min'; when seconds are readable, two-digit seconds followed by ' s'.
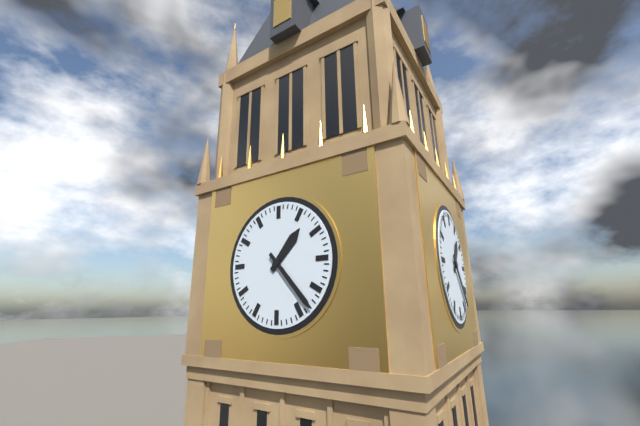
1 h 23 min
